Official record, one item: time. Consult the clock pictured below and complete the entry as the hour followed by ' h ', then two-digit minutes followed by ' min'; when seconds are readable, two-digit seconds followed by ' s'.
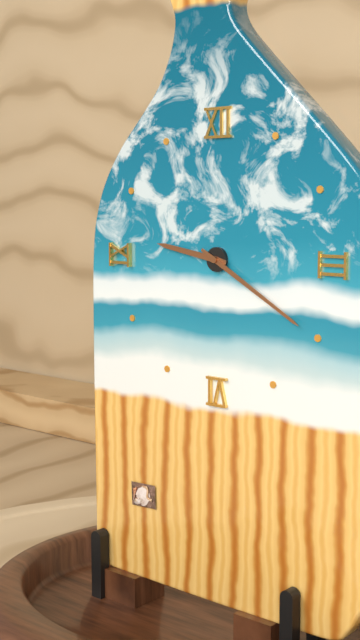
9 h 20 min
